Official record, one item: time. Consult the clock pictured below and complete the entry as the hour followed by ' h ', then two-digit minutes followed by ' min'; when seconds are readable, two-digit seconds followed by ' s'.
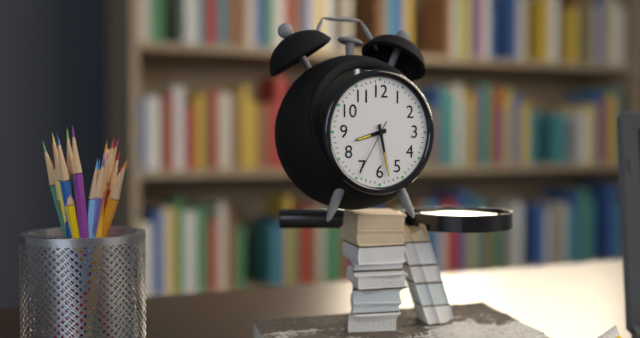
8 h 28 min 35 s
